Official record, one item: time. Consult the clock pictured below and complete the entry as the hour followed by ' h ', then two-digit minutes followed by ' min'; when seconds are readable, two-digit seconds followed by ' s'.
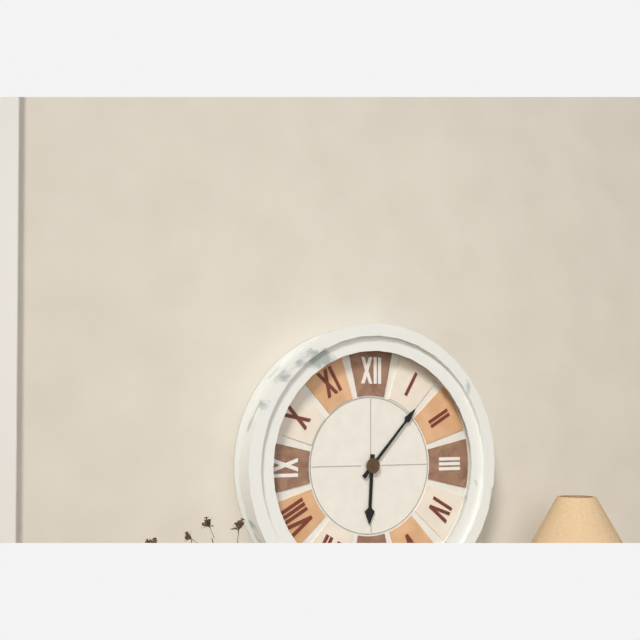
6 h 07 min
